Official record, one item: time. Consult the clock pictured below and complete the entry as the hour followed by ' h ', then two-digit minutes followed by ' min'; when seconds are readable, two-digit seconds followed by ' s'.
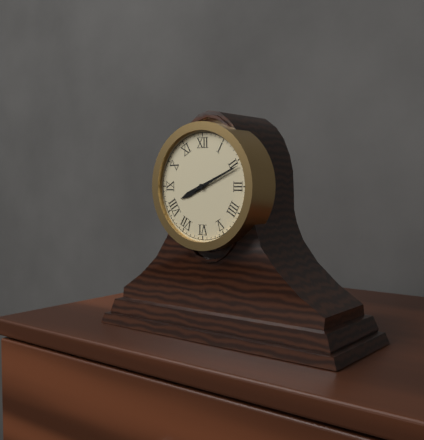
8 h 11 min
